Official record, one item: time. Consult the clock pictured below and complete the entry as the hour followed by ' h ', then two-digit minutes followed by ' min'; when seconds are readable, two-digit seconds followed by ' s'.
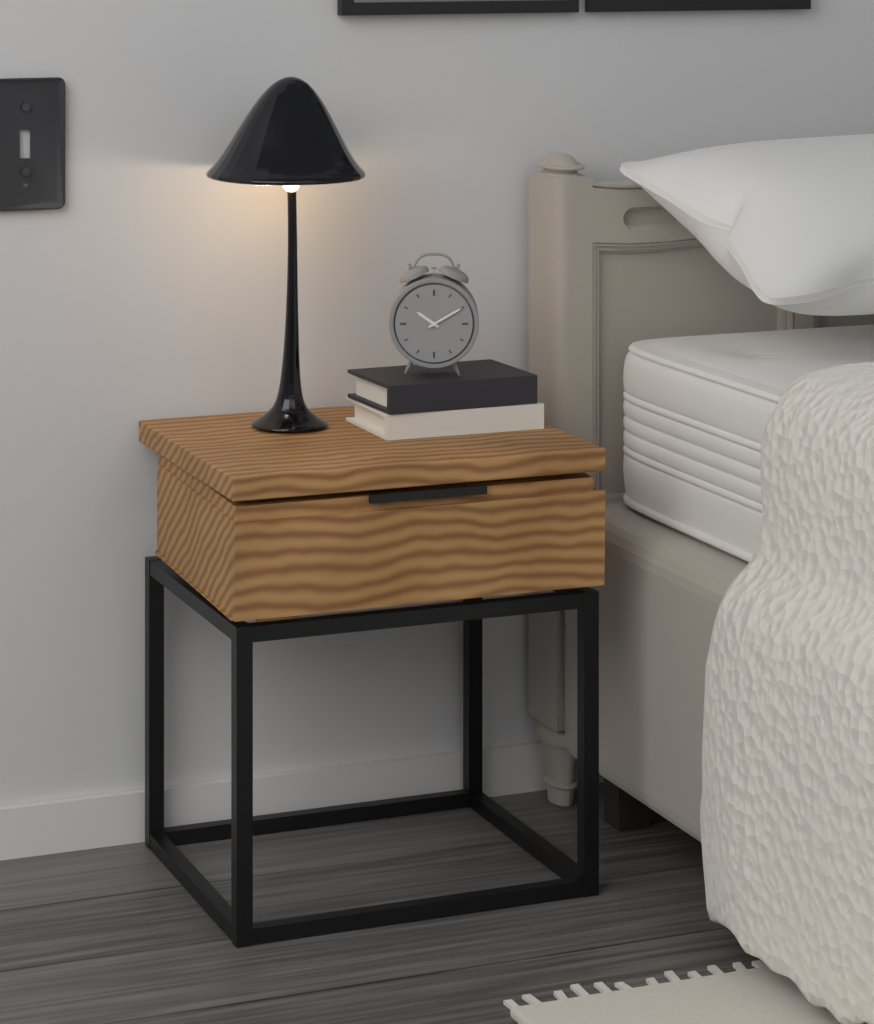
10 h 10 min
